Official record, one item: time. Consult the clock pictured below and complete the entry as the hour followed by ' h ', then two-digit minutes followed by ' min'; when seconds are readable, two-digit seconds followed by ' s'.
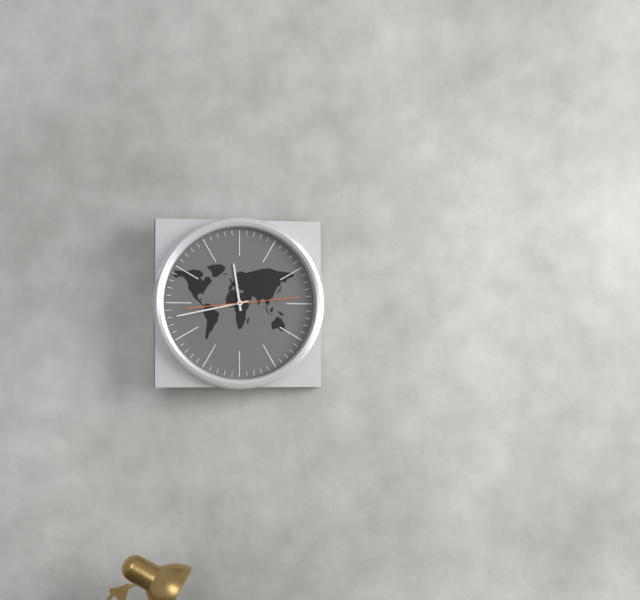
11 h 43 min 14 s
